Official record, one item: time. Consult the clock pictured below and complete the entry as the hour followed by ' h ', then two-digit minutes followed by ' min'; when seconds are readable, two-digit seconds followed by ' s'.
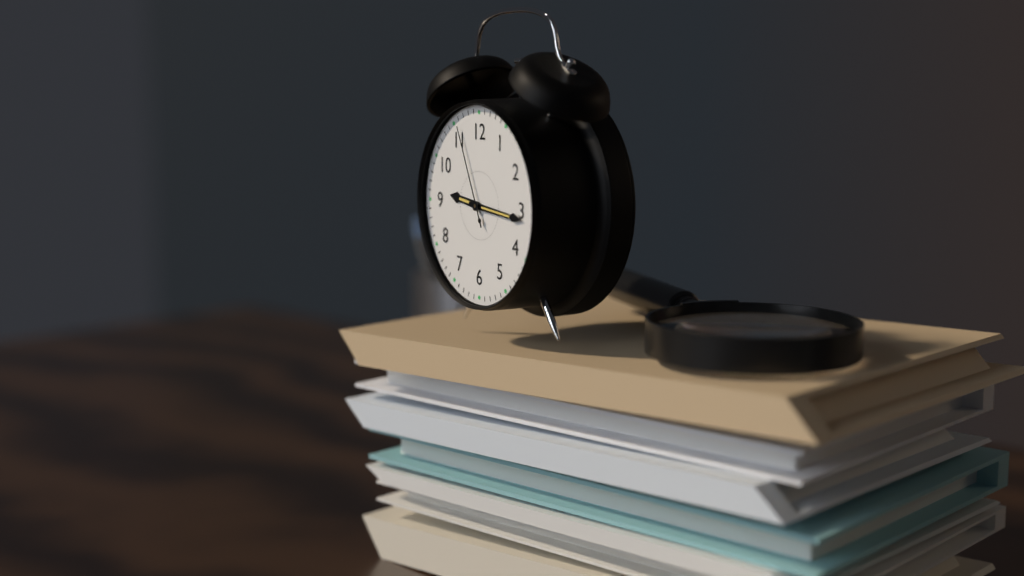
9 h 16 min 56 s
